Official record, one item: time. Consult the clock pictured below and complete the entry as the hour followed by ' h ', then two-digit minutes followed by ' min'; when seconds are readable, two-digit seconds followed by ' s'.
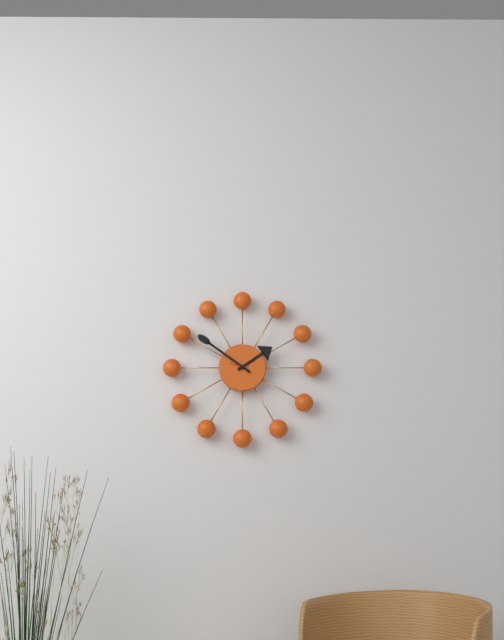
1 h 51 min
